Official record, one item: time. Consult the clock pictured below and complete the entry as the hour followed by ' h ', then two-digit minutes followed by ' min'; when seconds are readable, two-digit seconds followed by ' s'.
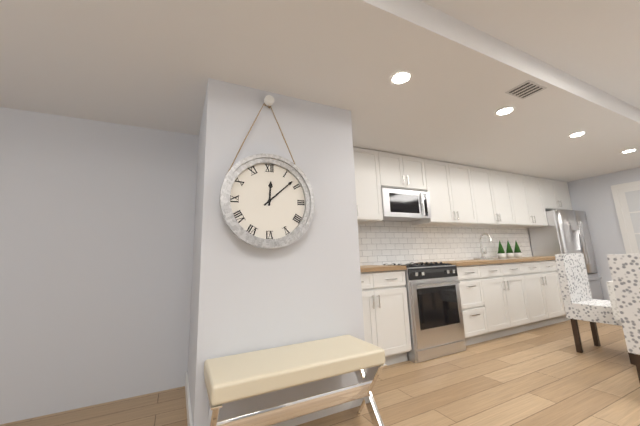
12 h 08 min
